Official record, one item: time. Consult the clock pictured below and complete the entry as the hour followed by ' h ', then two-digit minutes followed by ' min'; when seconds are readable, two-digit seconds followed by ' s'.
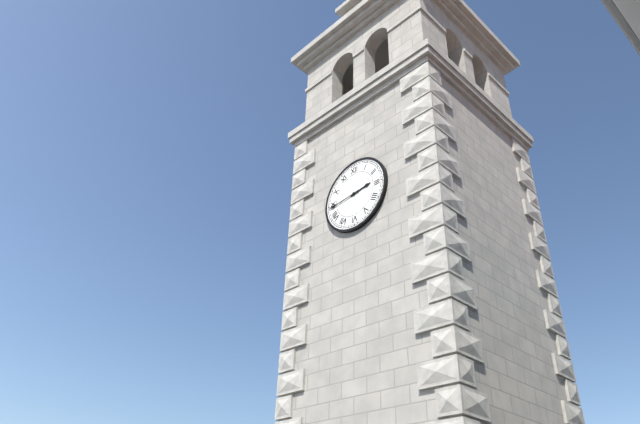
2 h 44 min
